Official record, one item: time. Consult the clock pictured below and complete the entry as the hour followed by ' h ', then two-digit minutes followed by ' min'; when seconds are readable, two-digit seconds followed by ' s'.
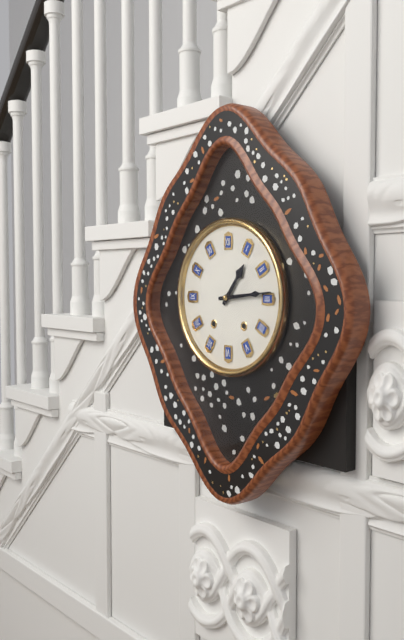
1 h 14 min
